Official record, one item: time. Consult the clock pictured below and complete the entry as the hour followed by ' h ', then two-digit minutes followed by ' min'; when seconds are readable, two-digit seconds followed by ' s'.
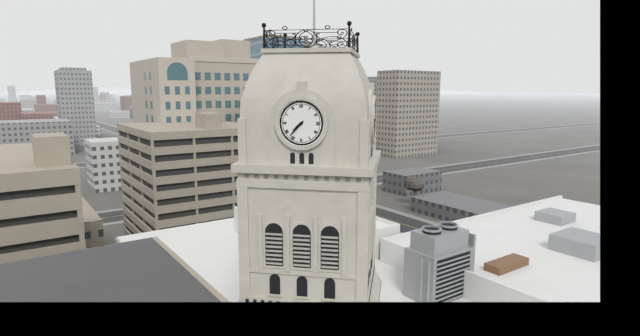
7 h 37 min
